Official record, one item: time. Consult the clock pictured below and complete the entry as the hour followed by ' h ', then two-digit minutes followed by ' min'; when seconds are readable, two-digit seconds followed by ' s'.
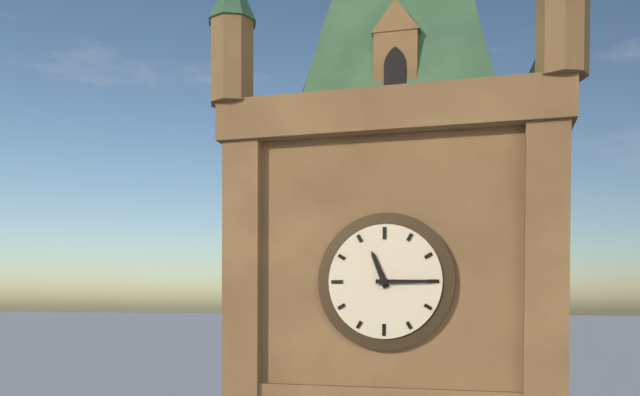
11 h 15 min
